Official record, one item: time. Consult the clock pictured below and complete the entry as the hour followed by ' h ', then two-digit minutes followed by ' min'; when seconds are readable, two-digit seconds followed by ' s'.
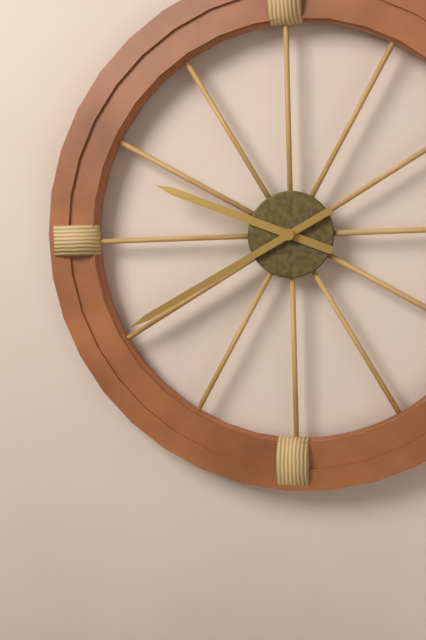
9 h 40 min
